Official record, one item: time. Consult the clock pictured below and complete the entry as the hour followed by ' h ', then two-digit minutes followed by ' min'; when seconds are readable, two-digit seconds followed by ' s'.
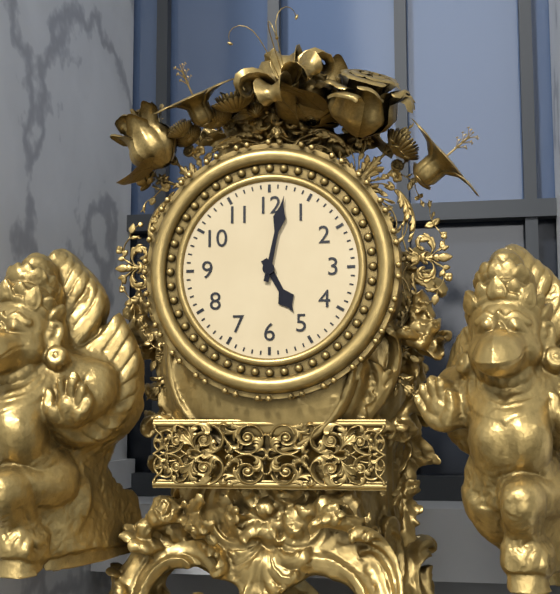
5 h 02 min
